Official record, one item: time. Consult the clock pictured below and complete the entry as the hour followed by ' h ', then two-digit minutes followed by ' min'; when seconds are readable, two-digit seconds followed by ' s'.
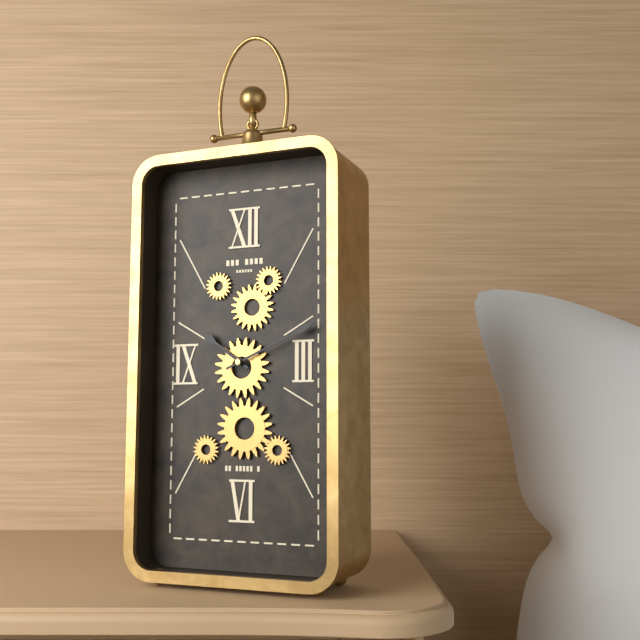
10 h 11 min
